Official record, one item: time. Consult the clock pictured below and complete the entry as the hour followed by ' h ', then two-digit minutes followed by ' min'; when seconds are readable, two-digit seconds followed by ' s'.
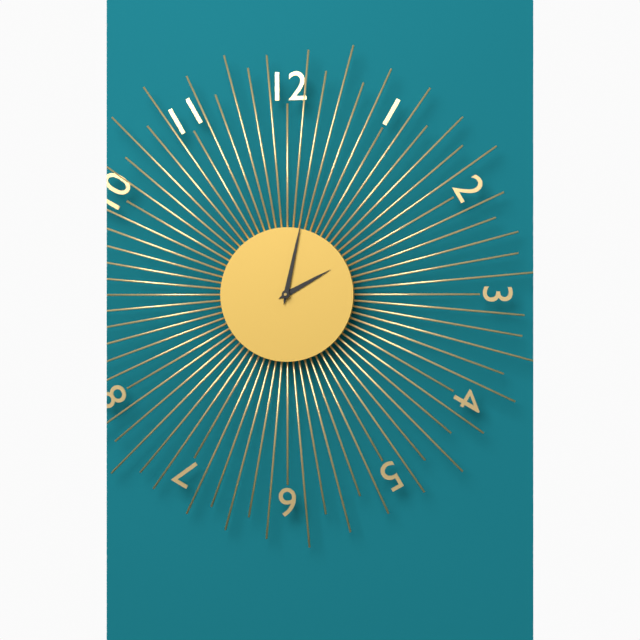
2 h 02 min
